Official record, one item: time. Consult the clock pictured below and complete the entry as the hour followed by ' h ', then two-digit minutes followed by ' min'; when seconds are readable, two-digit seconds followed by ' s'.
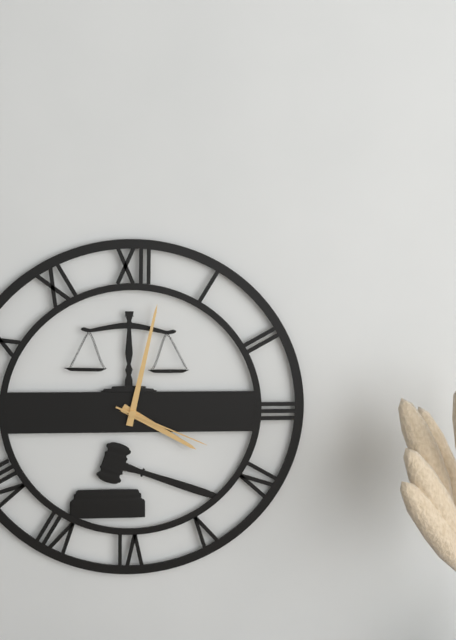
4 h 02 min 19 s
